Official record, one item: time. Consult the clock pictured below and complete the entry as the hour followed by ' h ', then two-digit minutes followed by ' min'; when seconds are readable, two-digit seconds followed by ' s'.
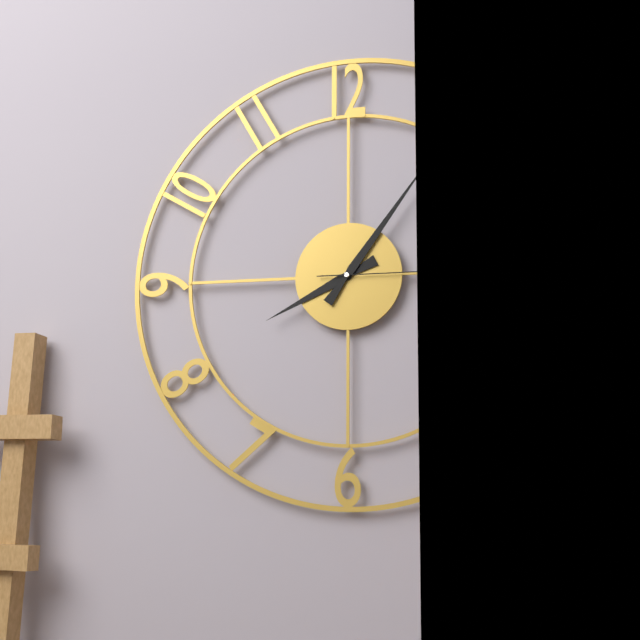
8 h 06 min
